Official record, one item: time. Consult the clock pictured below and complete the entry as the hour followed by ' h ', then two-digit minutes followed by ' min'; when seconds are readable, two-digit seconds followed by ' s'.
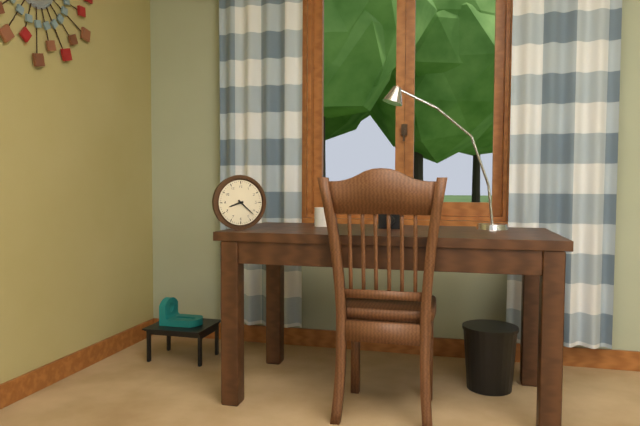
8 h 22 min
